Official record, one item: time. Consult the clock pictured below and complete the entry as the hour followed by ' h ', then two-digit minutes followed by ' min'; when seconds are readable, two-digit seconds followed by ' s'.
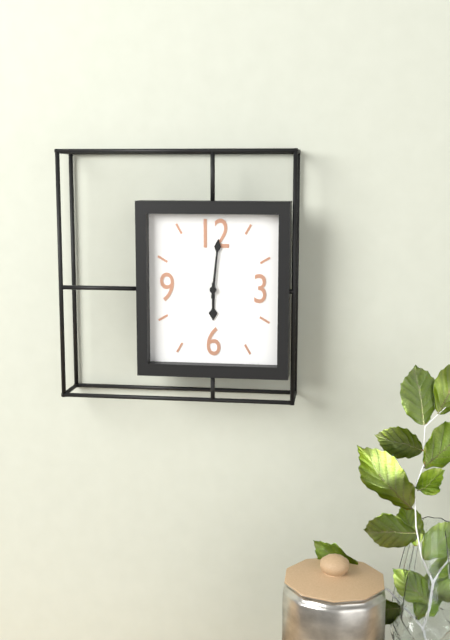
6 h 01 min
